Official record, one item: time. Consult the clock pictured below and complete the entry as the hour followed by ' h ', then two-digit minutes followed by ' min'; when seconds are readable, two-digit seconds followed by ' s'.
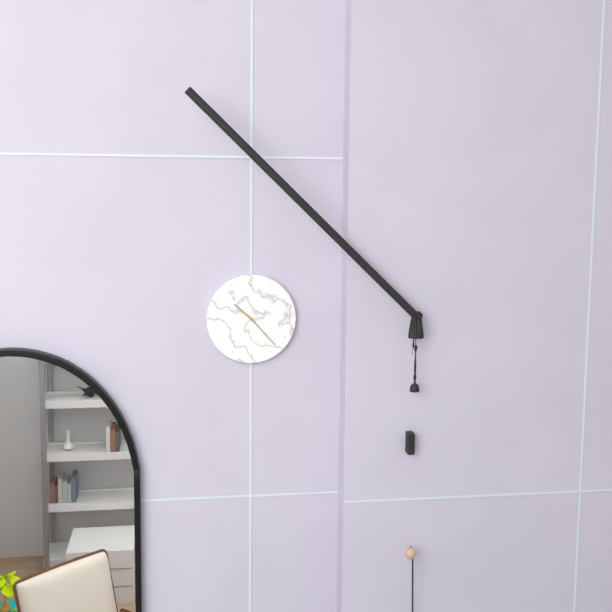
10 h 23 min
